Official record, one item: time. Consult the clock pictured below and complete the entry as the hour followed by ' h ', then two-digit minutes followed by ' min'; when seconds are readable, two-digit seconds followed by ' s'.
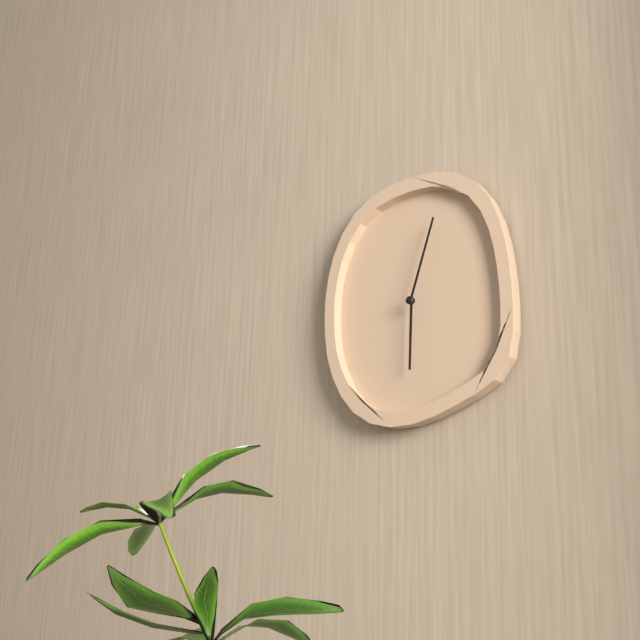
6 h 03 min
